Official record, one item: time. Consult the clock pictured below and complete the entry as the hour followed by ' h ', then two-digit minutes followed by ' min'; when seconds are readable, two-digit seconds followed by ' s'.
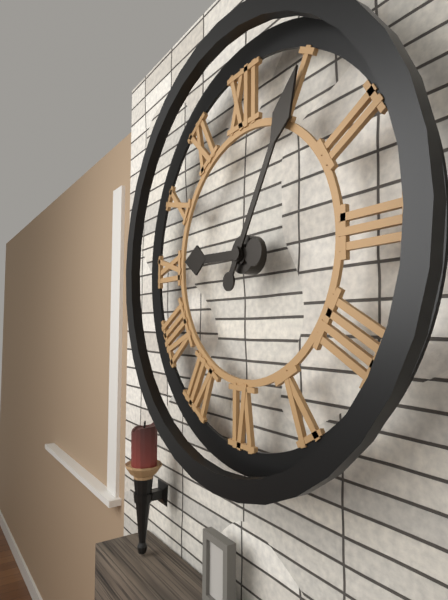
9 h 05 min
